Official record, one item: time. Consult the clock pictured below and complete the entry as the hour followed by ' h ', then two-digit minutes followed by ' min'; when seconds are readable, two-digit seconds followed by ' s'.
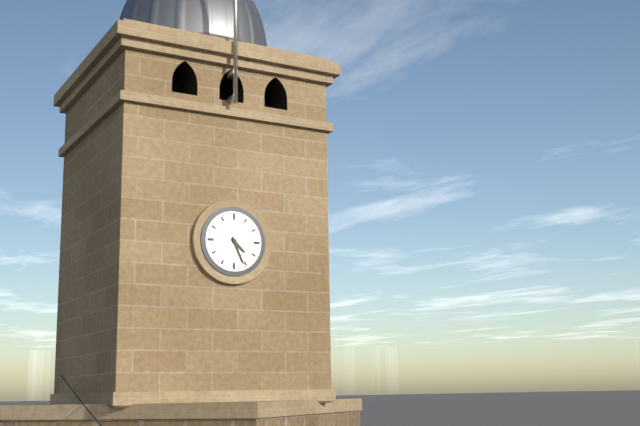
4 h 26 min
